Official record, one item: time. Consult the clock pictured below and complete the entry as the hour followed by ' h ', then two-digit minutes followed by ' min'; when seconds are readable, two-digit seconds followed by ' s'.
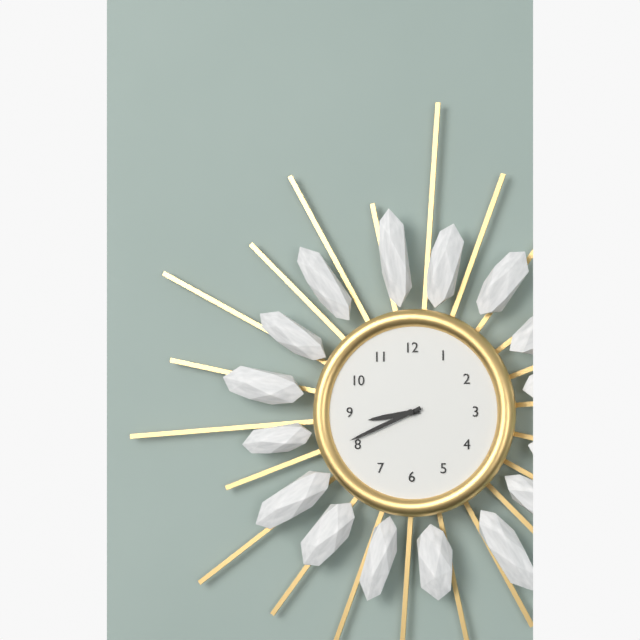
8 h 41 min
